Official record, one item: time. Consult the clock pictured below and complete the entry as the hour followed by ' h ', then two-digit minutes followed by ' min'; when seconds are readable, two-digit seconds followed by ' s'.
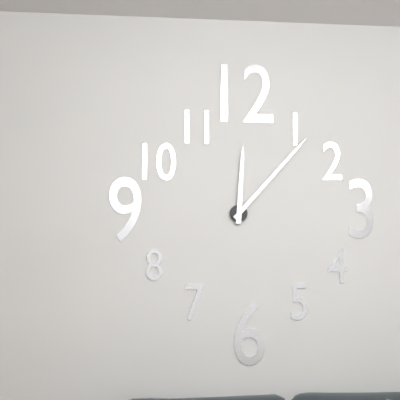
12 h 07 min
